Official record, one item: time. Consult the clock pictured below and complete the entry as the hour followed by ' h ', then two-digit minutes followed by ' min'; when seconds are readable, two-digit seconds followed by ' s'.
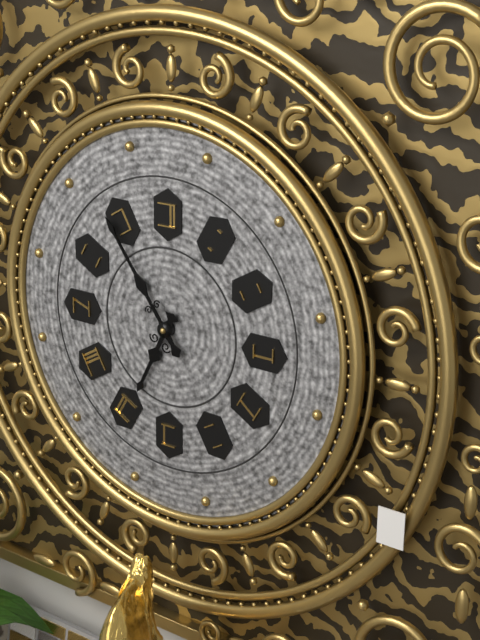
6 h 54 min
